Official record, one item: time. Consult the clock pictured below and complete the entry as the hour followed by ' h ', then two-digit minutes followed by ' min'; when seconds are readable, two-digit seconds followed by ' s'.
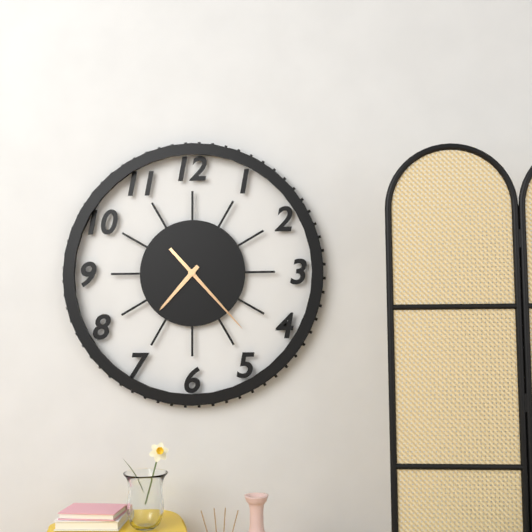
7 h 23 min
